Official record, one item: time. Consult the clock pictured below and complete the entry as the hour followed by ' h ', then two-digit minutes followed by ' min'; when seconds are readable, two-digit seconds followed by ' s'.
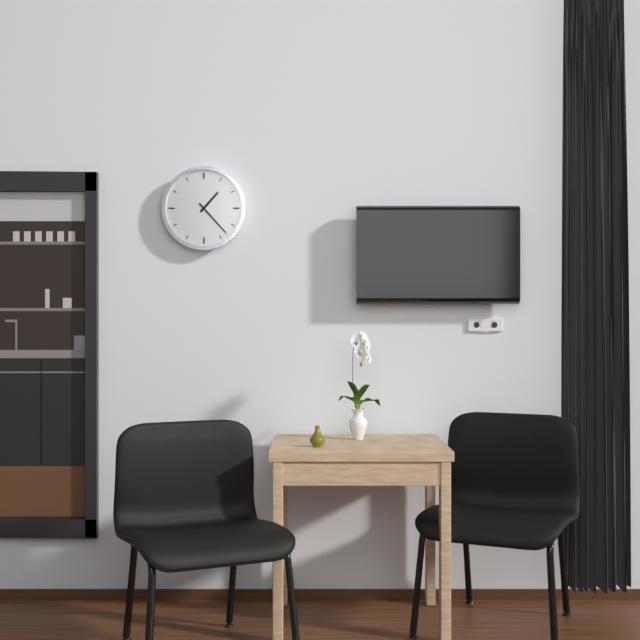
1 h 23 min
